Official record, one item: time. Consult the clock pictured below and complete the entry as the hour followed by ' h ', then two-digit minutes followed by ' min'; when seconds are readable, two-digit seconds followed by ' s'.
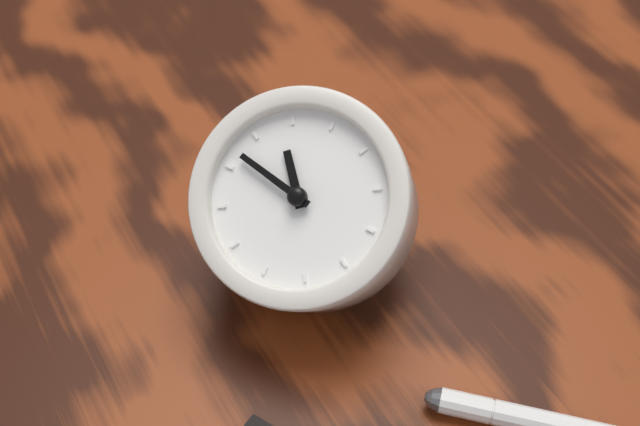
9 h 42 min
